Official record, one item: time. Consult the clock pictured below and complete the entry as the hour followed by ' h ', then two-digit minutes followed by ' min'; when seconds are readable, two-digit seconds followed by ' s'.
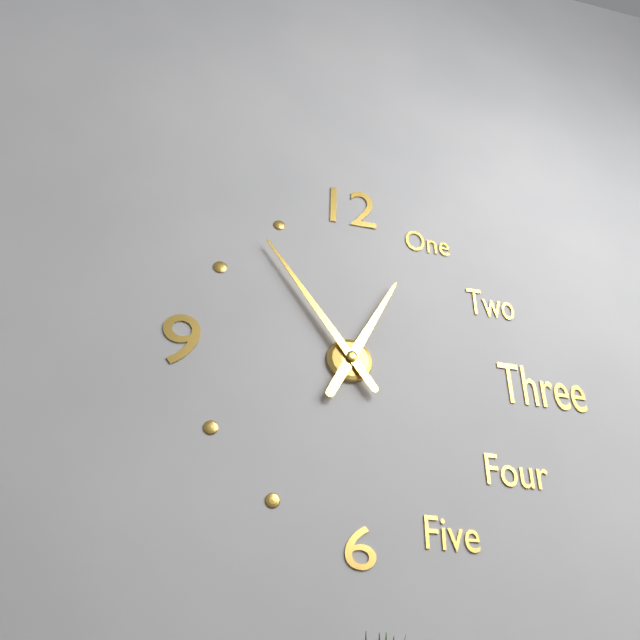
12 h 54 min
